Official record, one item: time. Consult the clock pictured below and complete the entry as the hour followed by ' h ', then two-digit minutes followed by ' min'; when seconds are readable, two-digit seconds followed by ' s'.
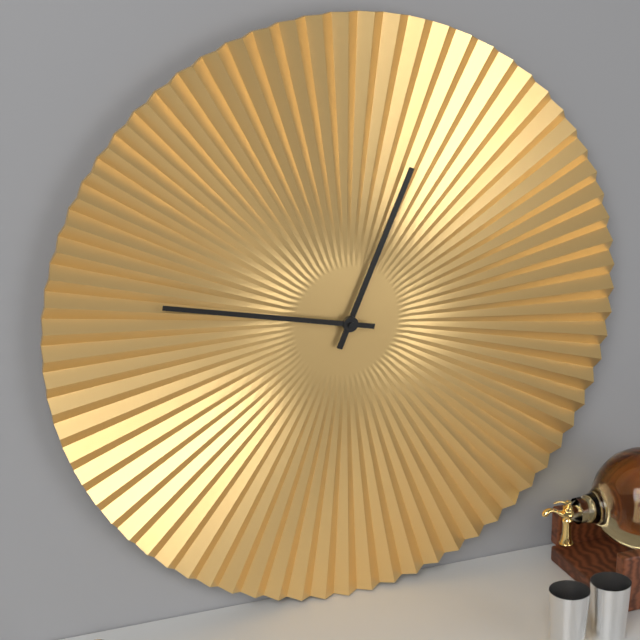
12 h 47 min
